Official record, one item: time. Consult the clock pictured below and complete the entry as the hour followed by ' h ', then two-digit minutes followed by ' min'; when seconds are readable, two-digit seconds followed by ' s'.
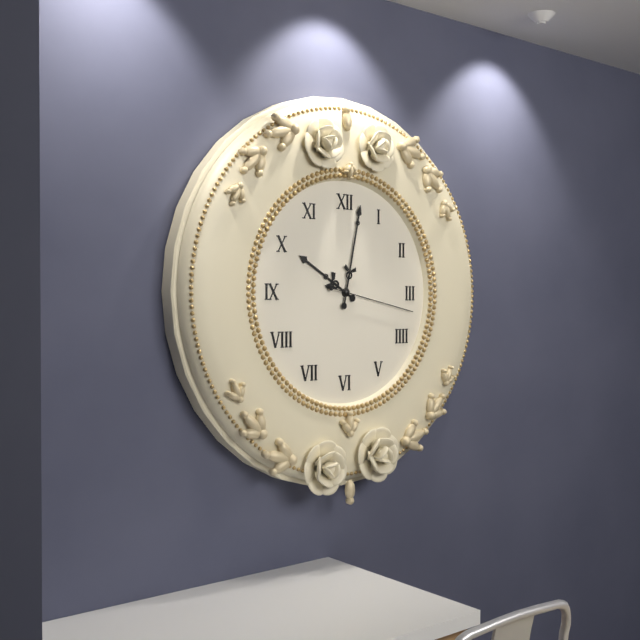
10 h 02 min 17 s
